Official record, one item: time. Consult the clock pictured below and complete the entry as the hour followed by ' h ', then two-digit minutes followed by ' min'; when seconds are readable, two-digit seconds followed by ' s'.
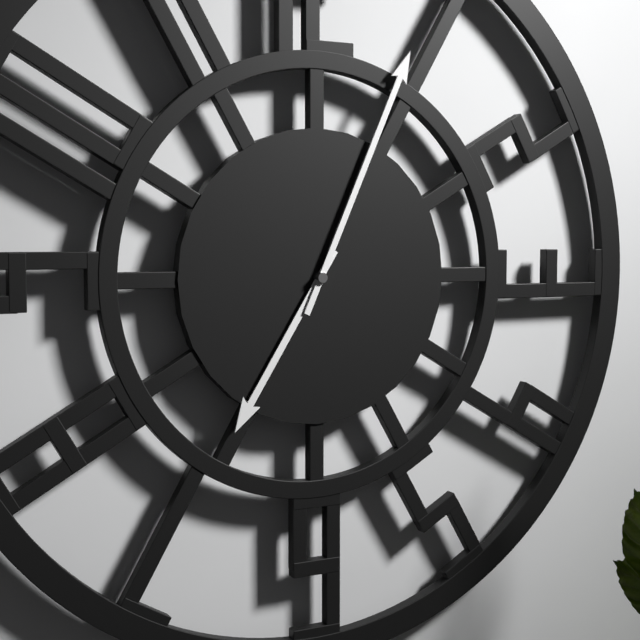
7 h 04 min
